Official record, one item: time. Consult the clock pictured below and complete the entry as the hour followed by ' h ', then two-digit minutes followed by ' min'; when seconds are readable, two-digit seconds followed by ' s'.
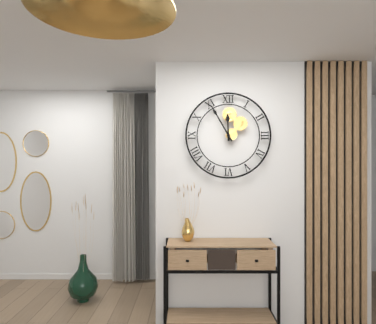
11 h 55 min
